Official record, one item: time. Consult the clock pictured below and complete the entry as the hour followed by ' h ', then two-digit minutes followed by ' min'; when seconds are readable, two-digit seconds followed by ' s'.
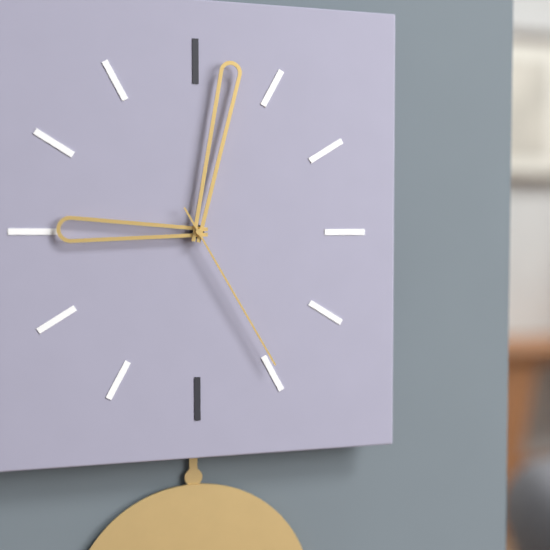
9 h 02 min 25 s
